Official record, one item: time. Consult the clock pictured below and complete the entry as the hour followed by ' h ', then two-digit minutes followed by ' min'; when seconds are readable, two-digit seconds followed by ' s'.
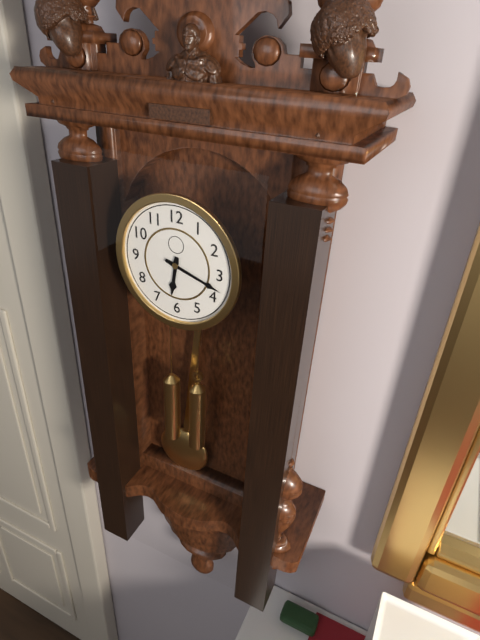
6 h 18 min
